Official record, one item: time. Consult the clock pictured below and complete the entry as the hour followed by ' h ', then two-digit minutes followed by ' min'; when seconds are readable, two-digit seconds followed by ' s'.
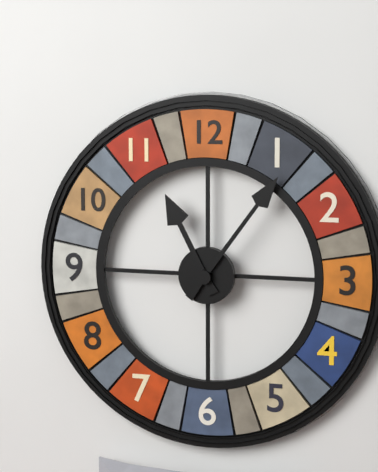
11 h 06 min
